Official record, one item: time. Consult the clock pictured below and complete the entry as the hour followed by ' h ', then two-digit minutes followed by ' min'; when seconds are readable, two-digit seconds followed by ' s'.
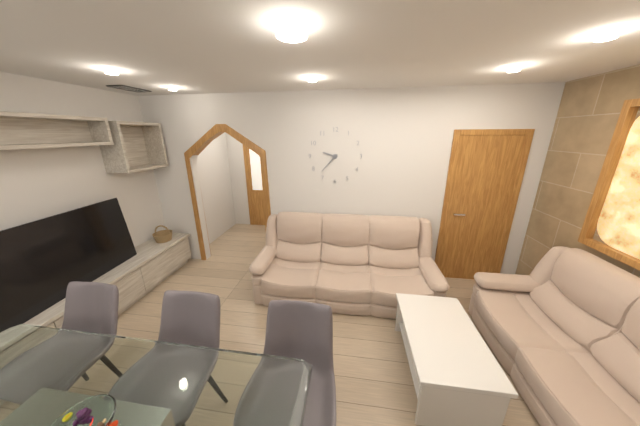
9 h 37 min
